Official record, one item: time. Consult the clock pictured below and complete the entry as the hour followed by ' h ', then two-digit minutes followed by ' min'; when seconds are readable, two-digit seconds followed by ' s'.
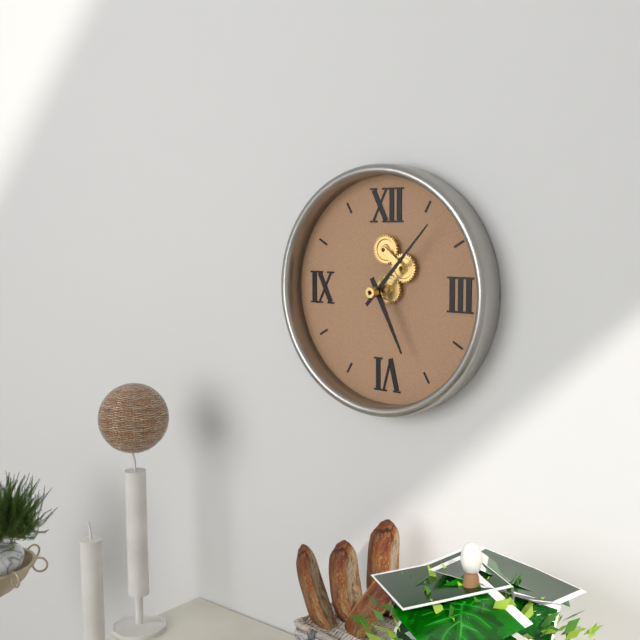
5 h 07 min
